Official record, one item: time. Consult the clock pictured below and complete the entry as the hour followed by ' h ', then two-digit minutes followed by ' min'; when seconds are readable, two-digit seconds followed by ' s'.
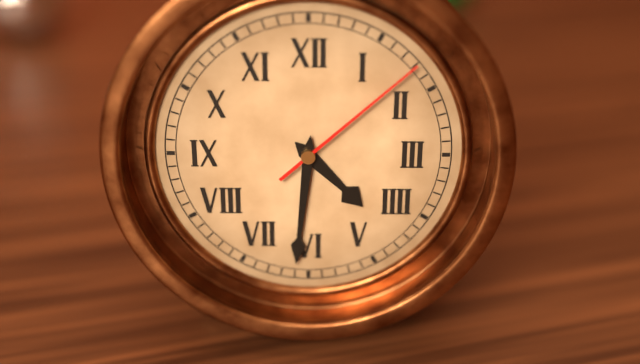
4 h 31 min 08 s
